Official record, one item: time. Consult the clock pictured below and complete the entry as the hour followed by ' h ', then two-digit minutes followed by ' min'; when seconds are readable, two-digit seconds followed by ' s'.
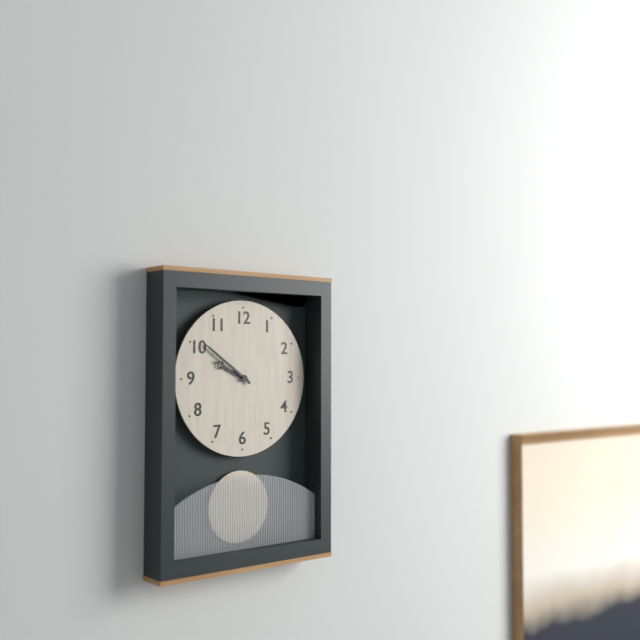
9 h 51 min
